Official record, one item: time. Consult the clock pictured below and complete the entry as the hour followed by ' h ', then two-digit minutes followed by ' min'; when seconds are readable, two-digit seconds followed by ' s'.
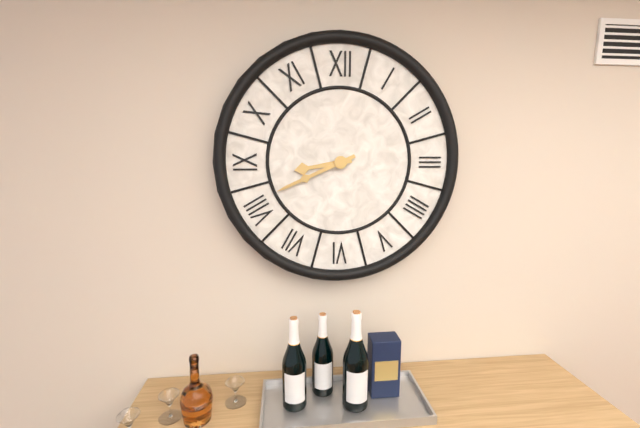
8 h 41 min
